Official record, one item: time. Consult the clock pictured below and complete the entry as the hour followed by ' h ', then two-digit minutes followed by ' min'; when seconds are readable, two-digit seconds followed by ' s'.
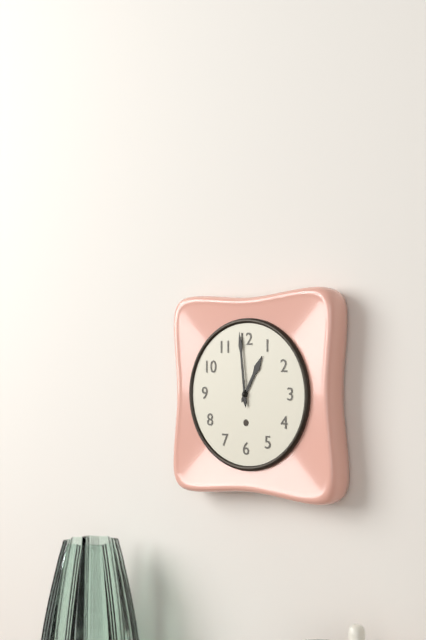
12 h 59 min
